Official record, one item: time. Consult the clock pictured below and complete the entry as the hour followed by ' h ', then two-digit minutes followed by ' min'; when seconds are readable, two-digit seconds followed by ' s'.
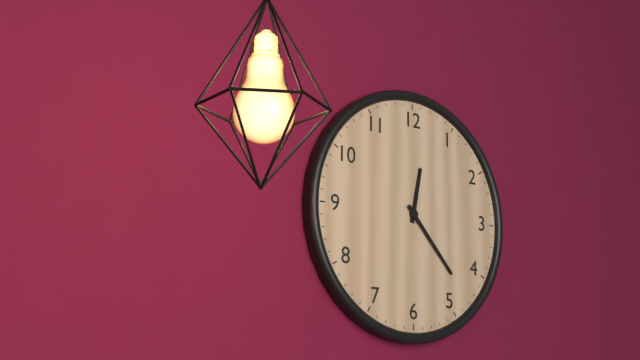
12 h 23 min
